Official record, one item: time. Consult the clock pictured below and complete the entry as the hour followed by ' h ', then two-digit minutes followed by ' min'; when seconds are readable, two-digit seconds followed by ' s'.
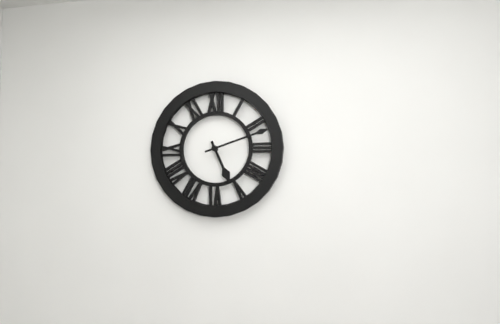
5 h 12 min
